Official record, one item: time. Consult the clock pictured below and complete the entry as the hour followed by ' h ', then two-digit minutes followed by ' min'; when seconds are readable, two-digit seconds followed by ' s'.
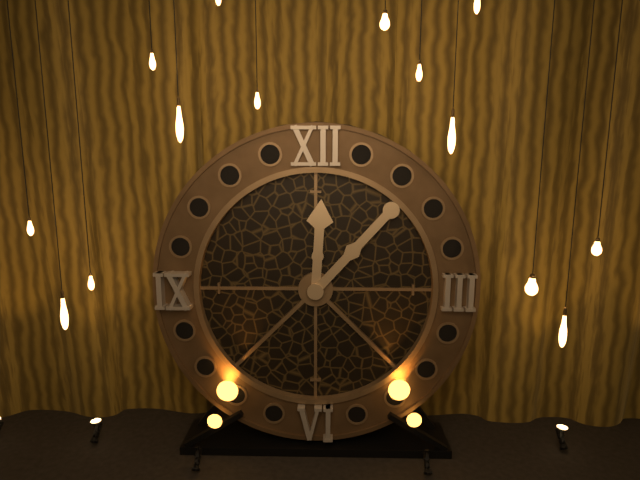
12 h 07 min
